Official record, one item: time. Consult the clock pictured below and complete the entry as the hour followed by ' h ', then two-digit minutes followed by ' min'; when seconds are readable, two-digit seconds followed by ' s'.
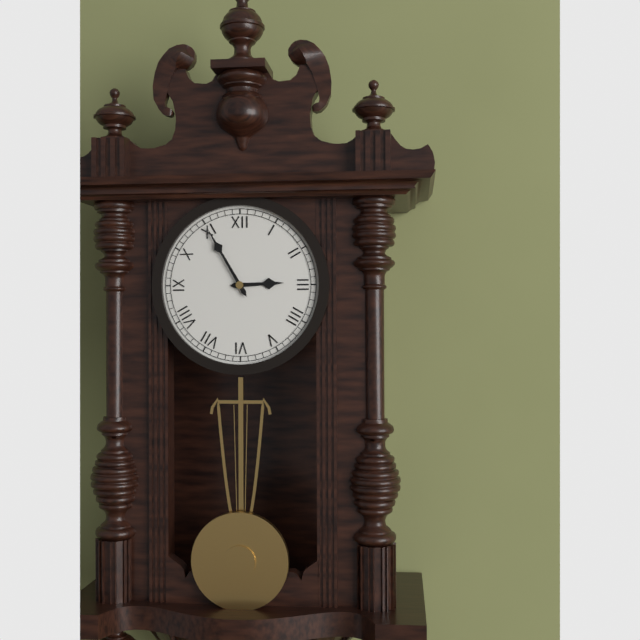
2 h 55 min
